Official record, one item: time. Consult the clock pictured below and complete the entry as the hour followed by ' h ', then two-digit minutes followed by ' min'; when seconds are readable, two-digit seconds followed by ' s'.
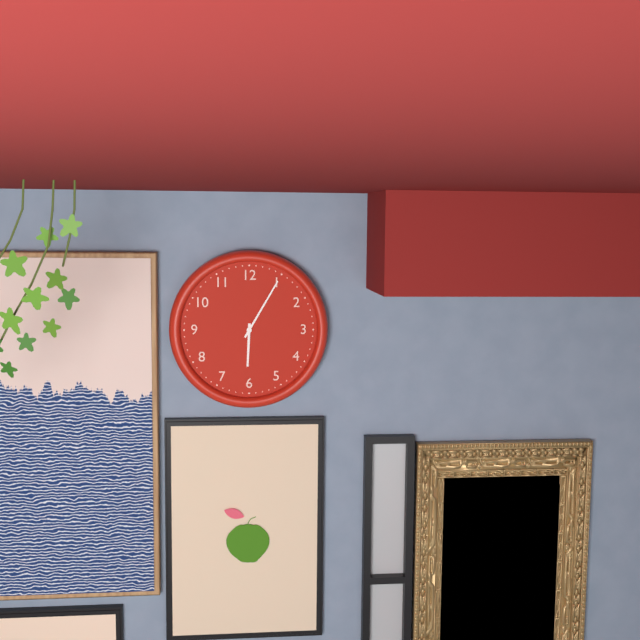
6 h 05 min
